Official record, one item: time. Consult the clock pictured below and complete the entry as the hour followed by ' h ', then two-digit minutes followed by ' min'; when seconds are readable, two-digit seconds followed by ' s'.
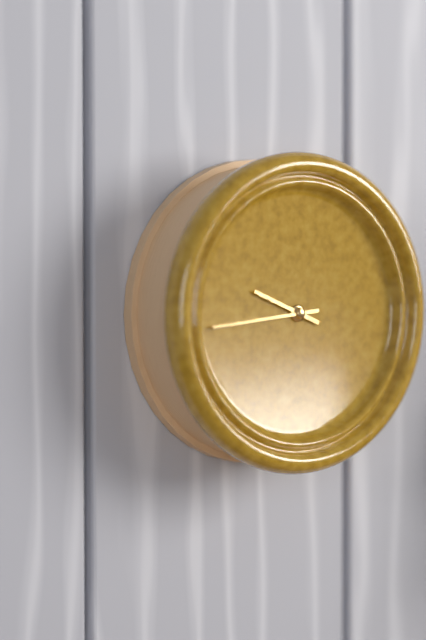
9 h 44 min
